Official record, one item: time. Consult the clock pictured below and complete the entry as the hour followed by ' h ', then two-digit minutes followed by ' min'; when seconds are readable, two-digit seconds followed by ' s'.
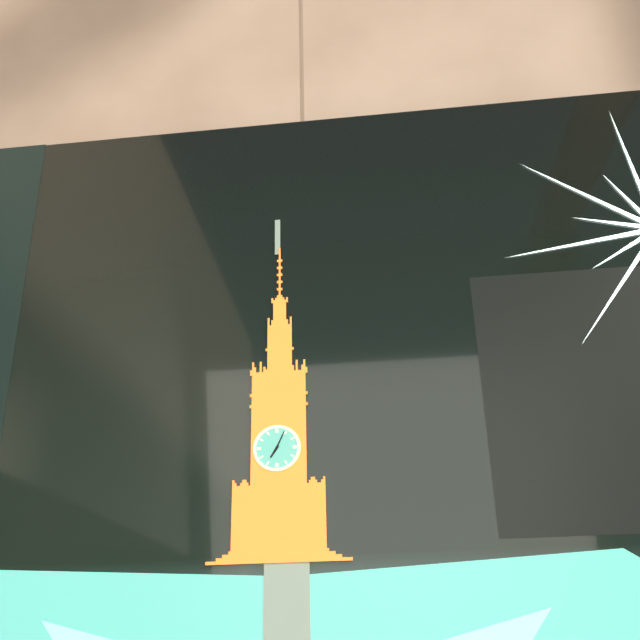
7 h 04 min
